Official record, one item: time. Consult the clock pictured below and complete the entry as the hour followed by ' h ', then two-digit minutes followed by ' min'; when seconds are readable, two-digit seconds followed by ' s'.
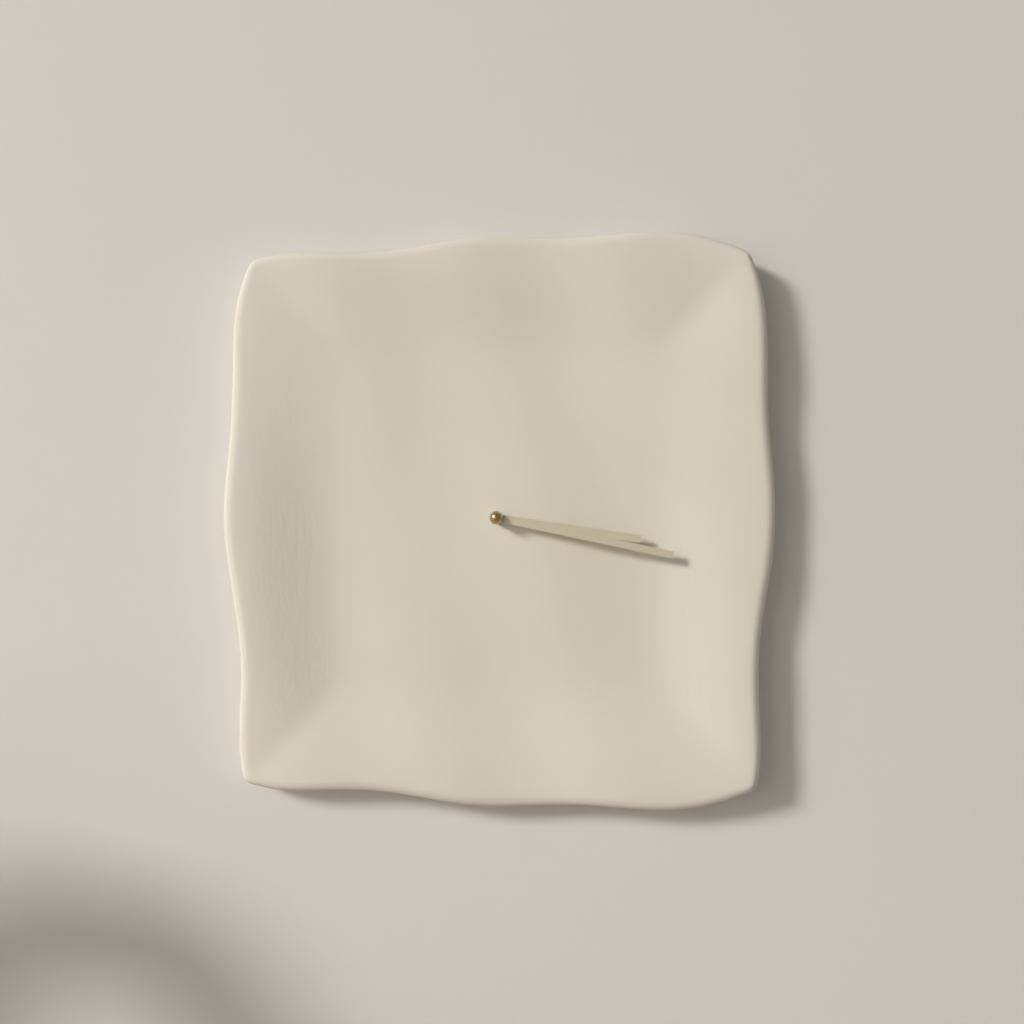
3 h 17 min
